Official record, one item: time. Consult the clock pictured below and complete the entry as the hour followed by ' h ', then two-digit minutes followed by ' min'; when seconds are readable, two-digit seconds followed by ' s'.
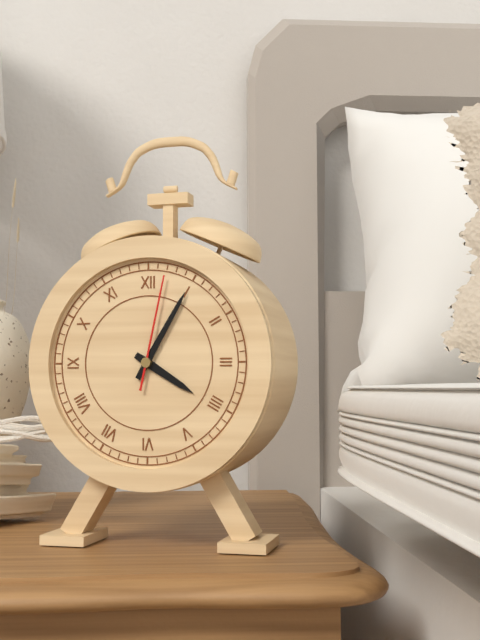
4 h 05 min 02 s
